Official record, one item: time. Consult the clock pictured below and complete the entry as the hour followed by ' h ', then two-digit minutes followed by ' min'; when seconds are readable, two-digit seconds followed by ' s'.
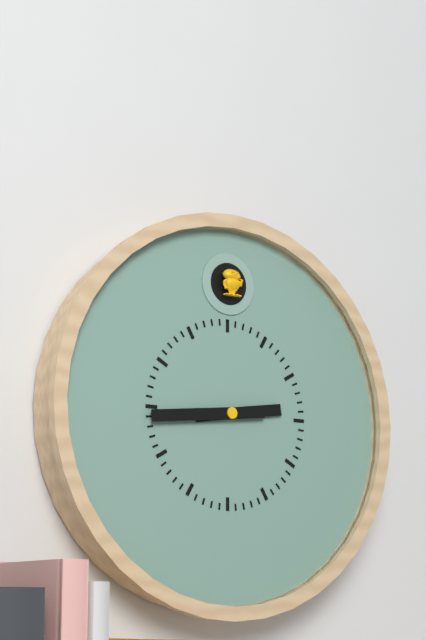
2 h 44 min
